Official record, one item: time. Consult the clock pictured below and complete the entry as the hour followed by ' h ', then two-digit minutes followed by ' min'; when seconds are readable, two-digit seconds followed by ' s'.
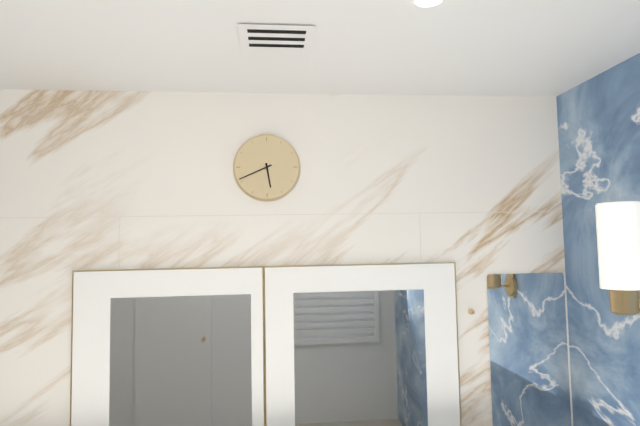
5 h 41 min
